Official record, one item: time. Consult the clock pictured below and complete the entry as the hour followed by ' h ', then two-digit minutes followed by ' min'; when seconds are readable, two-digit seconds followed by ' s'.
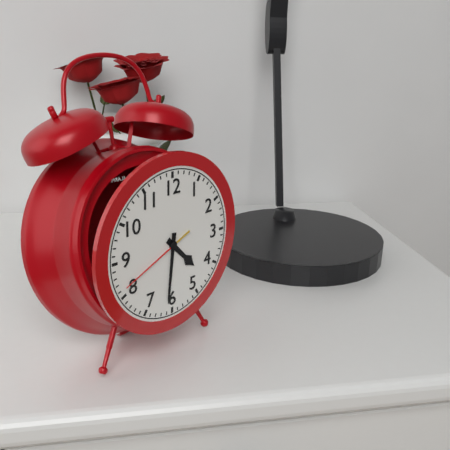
4 h 31 min 41 s
